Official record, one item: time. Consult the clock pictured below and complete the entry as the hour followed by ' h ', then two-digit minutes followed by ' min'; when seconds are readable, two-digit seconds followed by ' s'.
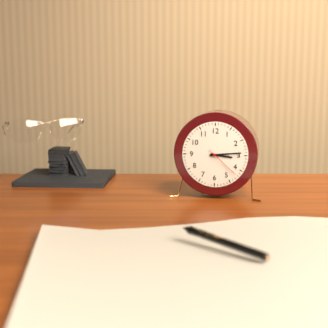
3 h 14 min
